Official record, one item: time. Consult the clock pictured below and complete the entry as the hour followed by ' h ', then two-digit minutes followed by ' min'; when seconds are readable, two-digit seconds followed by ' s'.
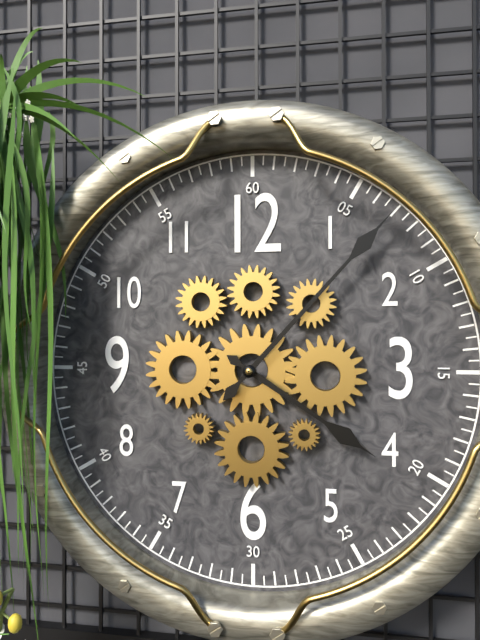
4 h 07 min
